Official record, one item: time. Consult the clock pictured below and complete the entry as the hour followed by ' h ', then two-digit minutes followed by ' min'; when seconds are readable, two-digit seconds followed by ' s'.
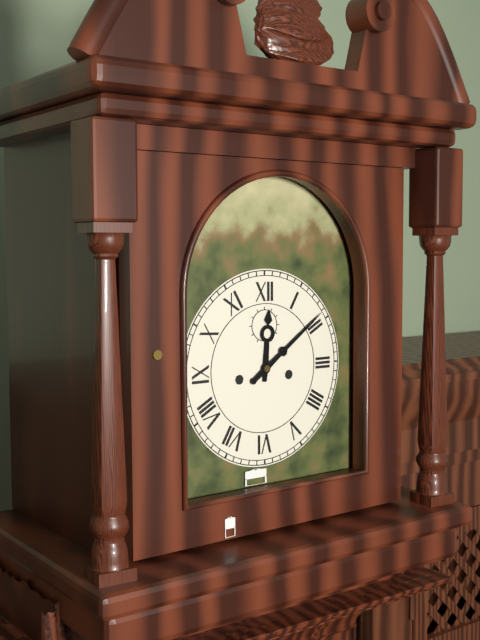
12 h 09 min
